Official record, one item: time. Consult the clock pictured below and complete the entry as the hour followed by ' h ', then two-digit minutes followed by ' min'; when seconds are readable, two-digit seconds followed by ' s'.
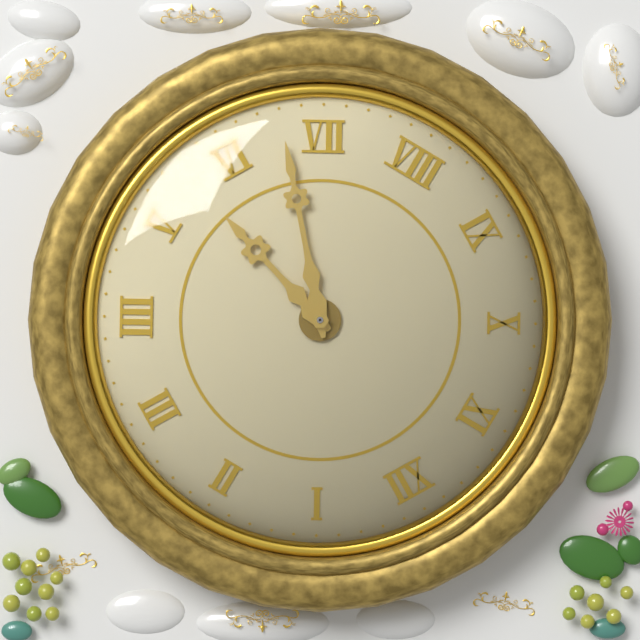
5 h 33 min
